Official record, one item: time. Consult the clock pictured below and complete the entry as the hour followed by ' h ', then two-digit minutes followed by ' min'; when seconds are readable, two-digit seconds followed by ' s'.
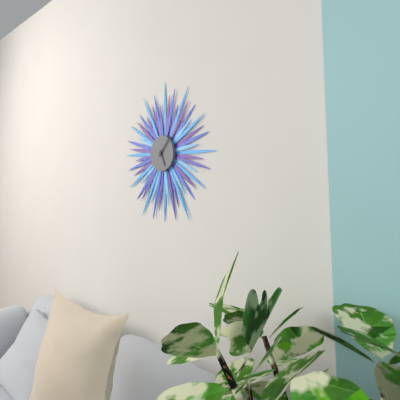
5 h 07 min
